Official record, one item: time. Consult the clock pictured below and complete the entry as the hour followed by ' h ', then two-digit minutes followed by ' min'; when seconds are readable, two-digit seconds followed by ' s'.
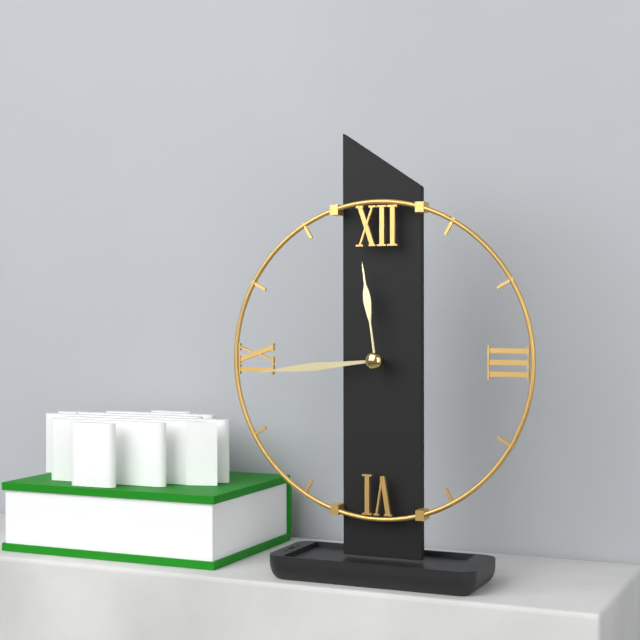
11 h 44 min
